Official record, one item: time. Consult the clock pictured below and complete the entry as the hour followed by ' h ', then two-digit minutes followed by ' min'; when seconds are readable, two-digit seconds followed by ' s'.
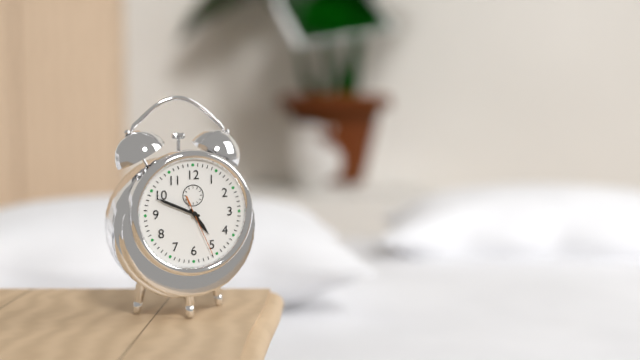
4 h 49 min 26 s
